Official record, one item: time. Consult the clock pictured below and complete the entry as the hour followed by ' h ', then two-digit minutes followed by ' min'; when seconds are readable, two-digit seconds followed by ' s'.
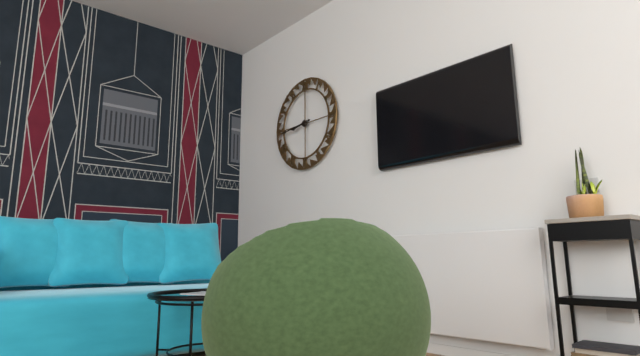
8 h 44 min
